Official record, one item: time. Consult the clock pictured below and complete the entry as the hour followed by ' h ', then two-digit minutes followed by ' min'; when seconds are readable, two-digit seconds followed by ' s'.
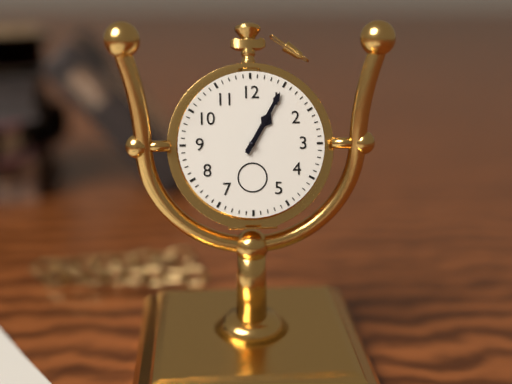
1 h 05 min
